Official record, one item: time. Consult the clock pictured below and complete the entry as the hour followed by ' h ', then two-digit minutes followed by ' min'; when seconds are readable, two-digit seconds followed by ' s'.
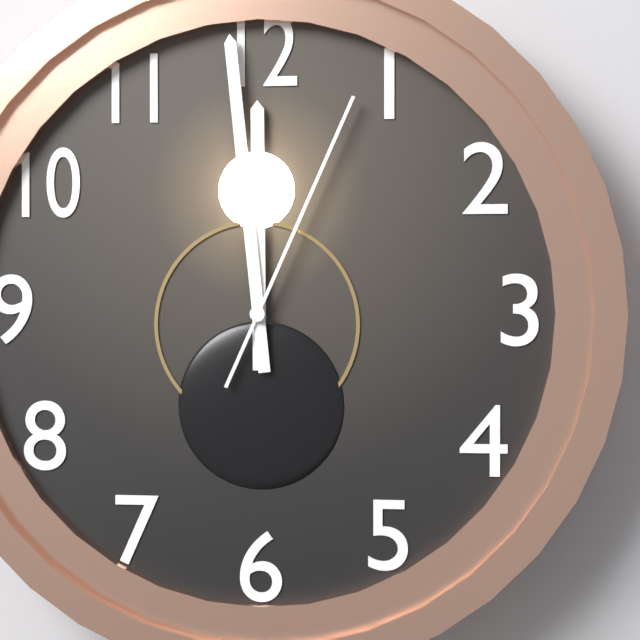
11 h 59 min 04 s
